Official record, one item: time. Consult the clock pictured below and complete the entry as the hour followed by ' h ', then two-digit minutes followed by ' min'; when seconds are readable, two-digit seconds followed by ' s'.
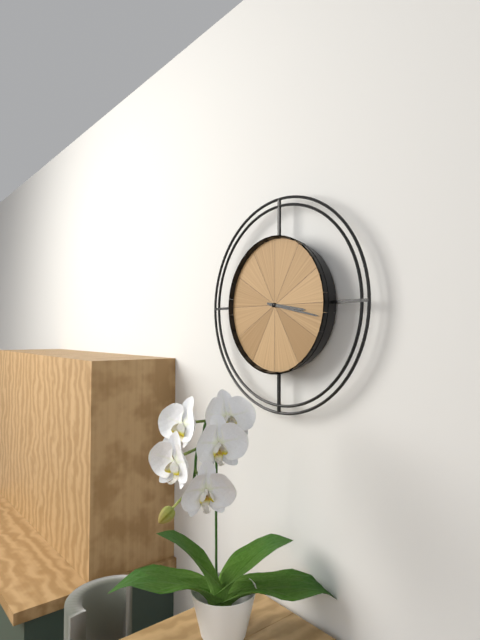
3 h 17 min
